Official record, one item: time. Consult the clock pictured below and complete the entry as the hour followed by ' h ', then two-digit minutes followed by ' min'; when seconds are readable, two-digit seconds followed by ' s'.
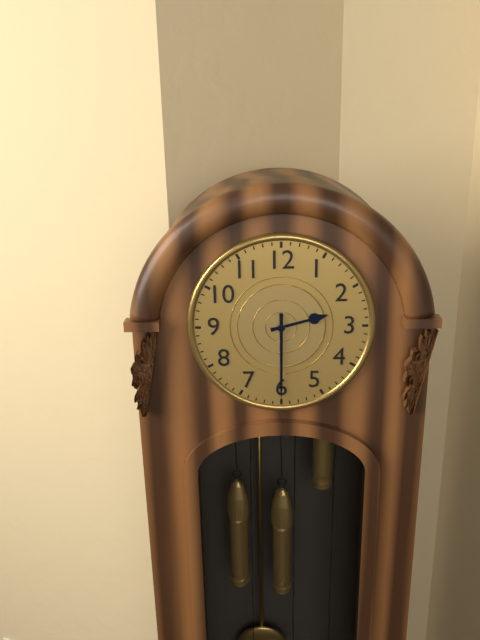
2 h 30 min
